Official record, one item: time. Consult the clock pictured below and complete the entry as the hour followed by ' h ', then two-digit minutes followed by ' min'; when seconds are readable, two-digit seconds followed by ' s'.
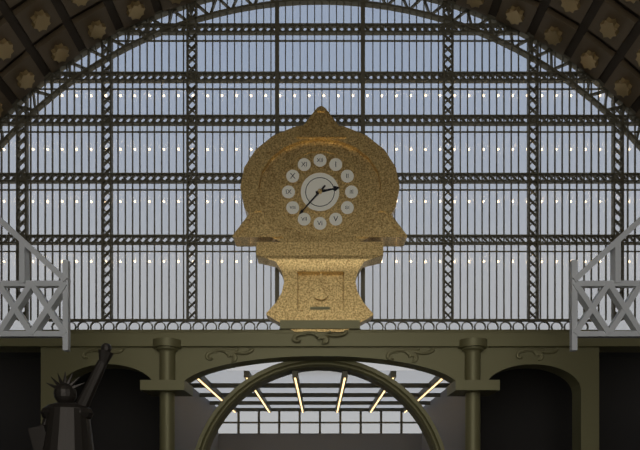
2 h 37 min
